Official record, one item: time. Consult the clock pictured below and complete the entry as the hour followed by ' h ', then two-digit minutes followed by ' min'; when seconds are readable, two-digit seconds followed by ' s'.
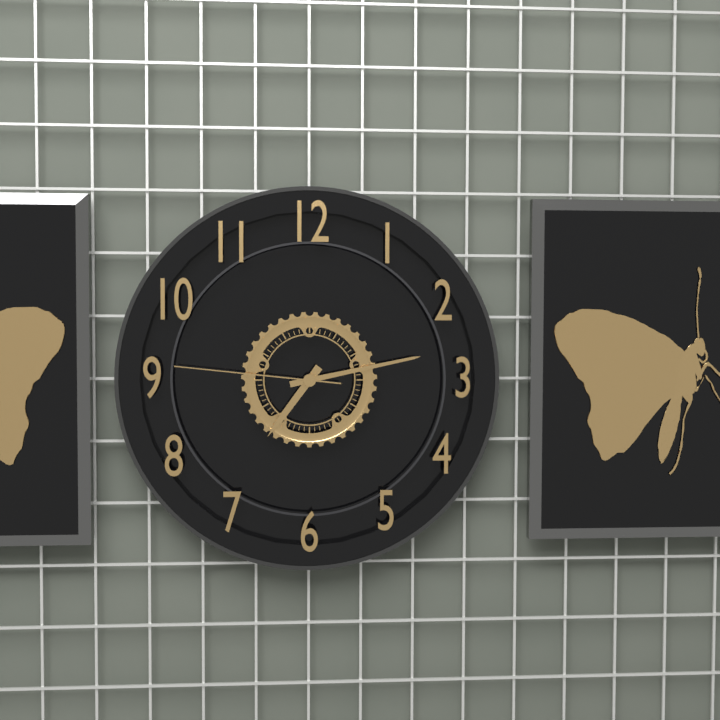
7 h 13 min 46 s
